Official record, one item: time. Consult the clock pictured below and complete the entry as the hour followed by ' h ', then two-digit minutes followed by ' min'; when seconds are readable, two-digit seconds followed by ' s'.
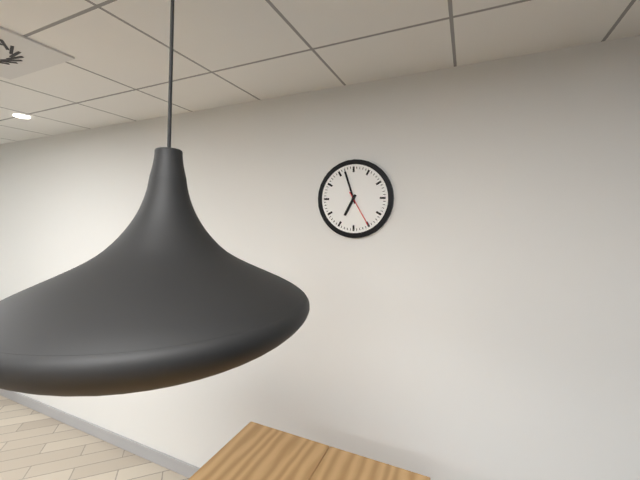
6 h 57 min
